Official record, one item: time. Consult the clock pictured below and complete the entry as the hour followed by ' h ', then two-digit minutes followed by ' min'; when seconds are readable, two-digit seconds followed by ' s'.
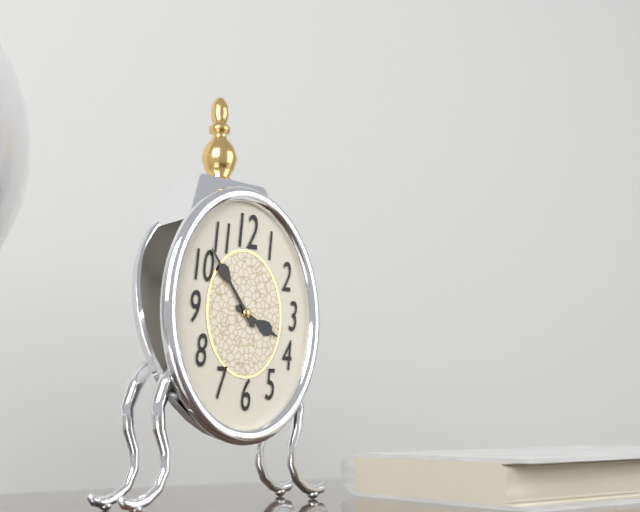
3 h 54 min
